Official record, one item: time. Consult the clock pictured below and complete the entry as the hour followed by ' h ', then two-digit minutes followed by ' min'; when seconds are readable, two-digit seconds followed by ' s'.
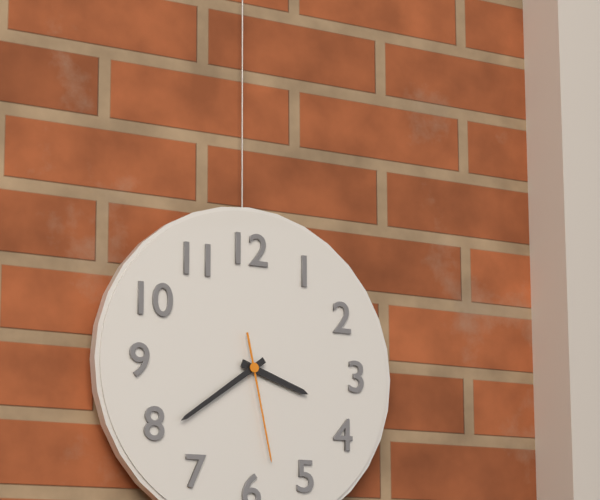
3 h 39 min 28 s
